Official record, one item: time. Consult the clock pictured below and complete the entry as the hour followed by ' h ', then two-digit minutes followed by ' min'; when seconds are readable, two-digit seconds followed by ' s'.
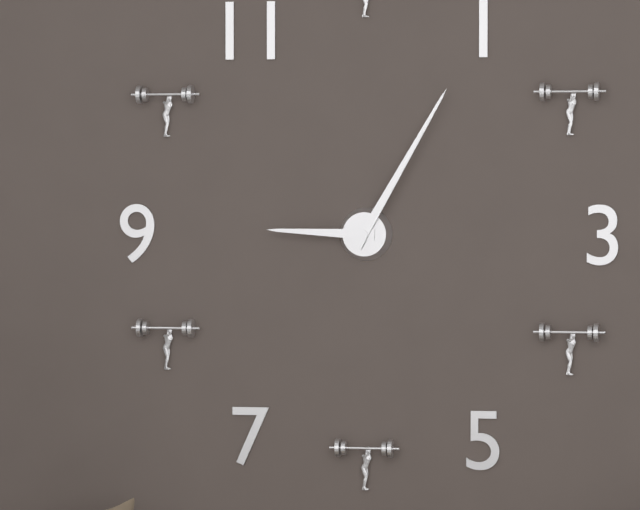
9 h 05 min
